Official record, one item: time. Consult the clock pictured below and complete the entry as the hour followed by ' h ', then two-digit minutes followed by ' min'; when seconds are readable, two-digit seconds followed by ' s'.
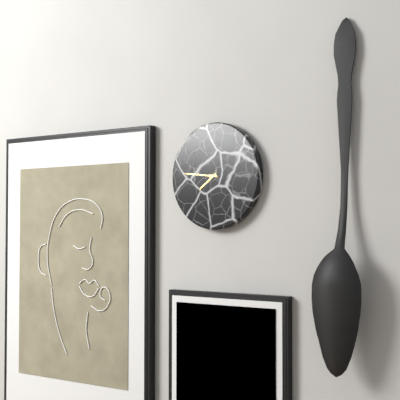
7 h 46 min
